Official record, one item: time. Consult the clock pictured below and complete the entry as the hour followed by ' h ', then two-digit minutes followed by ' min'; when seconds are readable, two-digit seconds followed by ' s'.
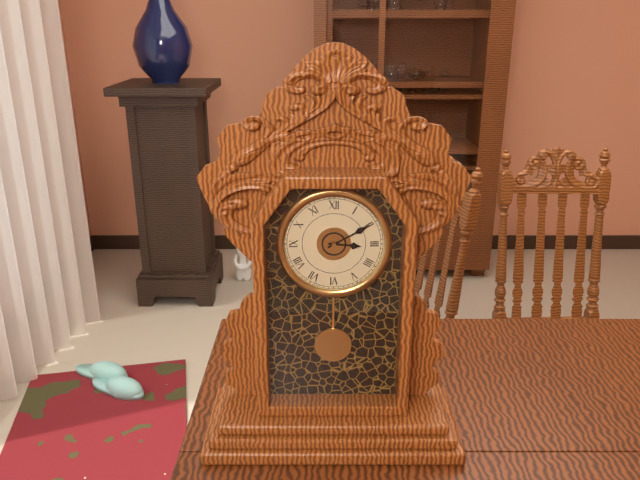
3 h 10 min
